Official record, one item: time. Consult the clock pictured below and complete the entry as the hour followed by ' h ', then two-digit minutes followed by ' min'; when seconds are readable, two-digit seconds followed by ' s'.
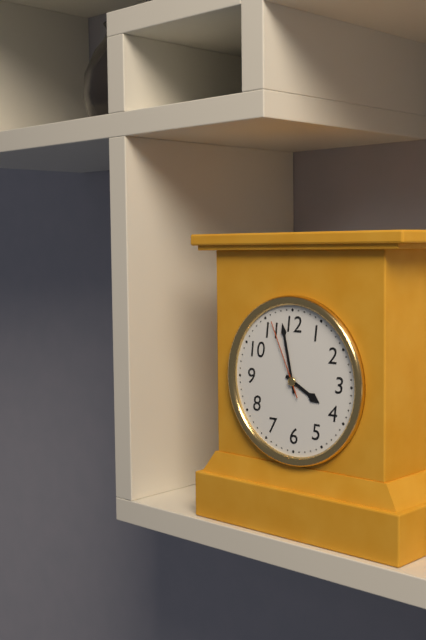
3 h 58 min 56 s
